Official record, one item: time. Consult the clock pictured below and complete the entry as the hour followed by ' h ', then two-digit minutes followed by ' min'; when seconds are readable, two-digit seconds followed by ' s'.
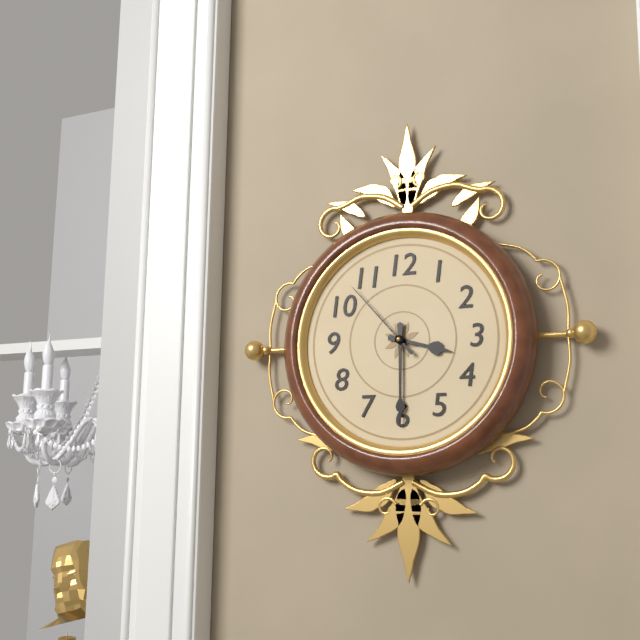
3 h 30 min 53 s
